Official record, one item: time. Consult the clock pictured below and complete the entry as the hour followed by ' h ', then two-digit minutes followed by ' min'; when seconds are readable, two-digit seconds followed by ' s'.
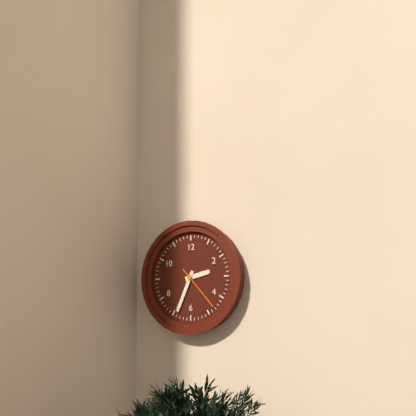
2 h 34 min
